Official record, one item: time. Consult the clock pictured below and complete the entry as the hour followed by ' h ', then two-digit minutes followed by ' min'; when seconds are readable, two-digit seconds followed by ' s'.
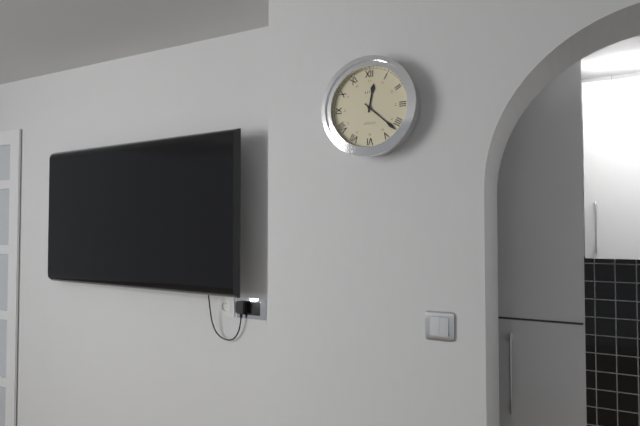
12 h 22 min
